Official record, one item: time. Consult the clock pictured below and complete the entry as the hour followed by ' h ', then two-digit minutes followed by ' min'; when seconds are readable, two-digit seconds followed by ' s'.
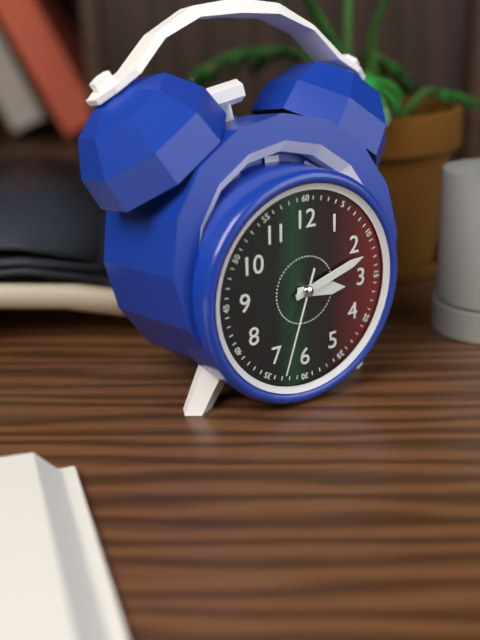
3 h 12 min 33 s
